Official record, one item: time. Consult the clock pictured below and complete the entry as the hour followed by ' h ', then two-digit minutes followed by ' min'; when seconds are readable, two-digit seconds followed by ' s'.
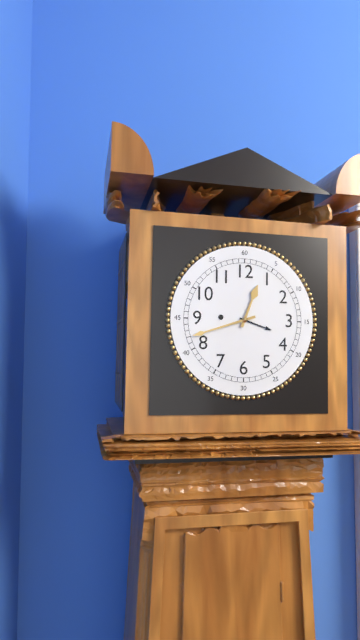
12 h 42 min
